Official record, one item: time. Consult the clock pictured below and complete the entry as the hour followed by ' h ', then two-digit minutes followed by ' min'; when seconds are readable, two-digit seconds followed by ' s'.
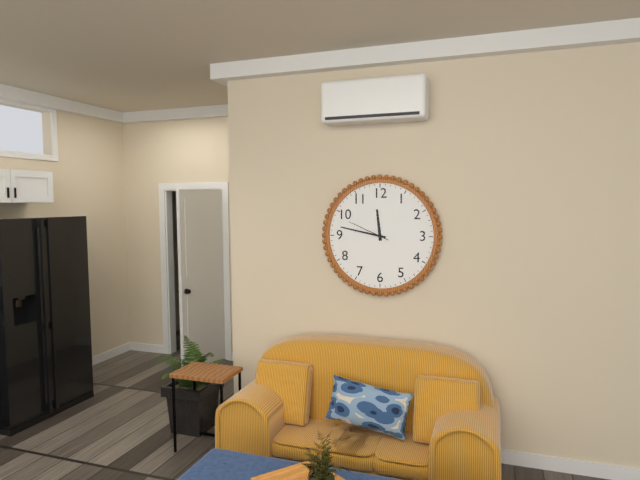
11 h 47 min
